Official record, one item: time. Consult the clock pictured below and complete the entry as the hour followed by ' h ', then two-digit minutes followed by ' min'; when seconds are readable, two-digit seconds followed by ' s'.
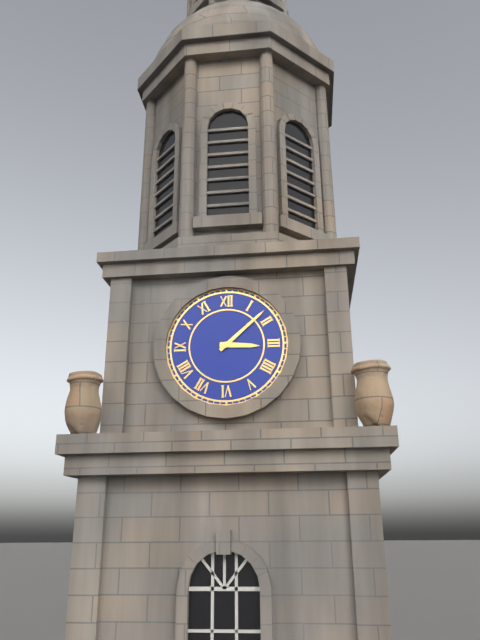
3 h 08 min
